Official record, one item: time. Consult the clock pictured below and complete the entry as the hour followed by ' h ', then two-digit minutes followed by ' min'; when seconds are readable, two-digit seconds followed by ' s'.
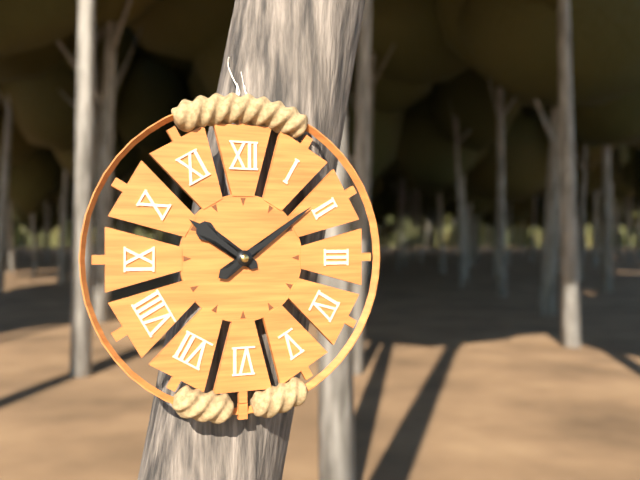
10 h 09 min
